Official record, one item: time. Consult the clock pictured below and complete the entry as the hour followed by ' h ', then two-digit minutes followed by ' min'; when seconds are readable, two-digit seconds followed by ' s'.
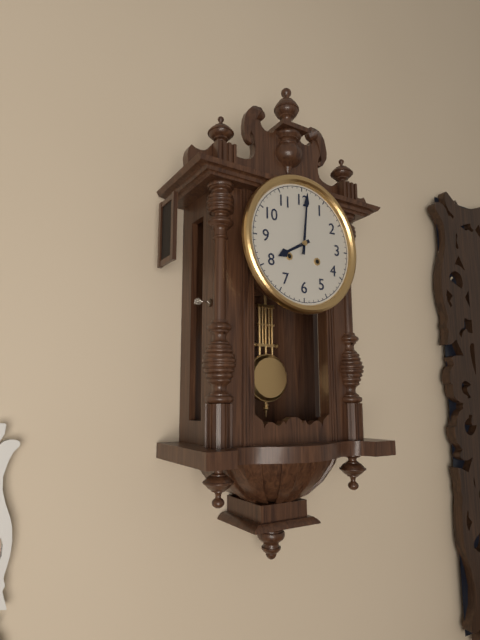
8 h 01 min
